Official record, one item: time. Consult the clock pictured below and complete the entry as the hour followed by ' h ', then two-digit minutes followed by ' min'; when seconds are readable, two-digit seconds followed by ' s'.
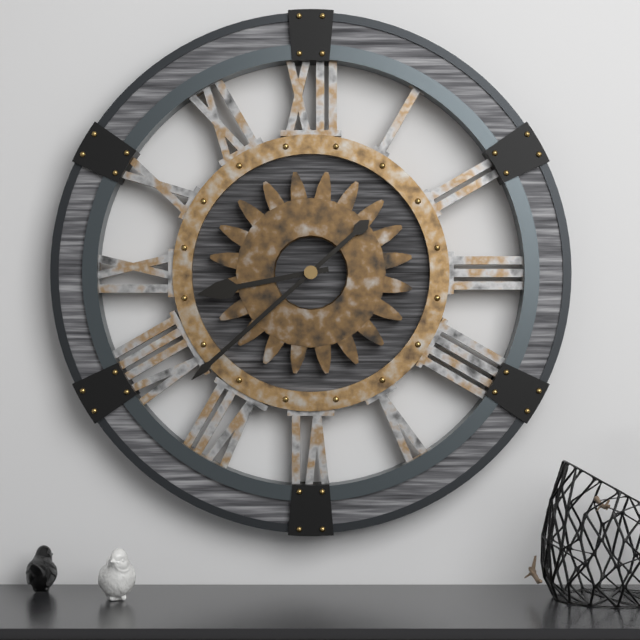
8 h 38 min
